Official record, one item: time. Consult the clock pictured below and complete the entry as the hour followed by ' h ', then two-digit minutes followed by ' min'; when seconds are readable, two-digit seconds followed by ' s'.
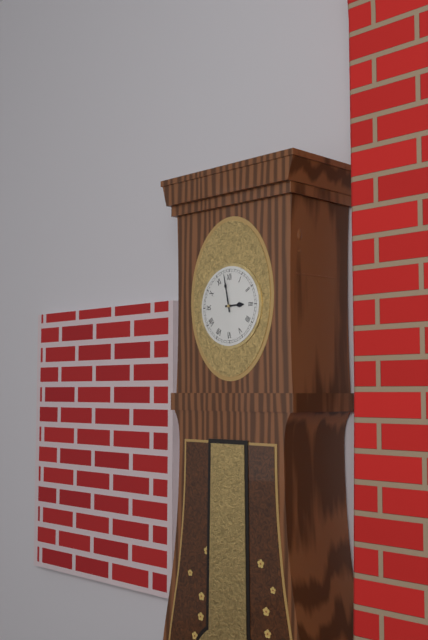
2 h 58 min
